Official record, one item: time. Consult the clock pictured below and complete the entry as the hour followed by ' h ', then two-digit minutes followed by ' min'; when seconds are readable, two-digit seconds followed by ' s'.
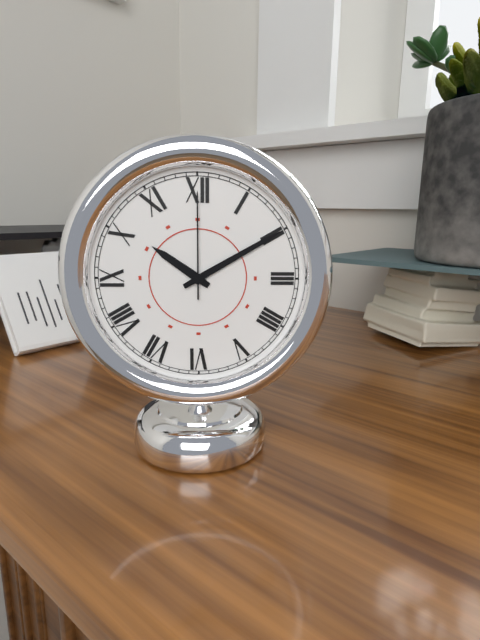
10 h 10 min 00 s
